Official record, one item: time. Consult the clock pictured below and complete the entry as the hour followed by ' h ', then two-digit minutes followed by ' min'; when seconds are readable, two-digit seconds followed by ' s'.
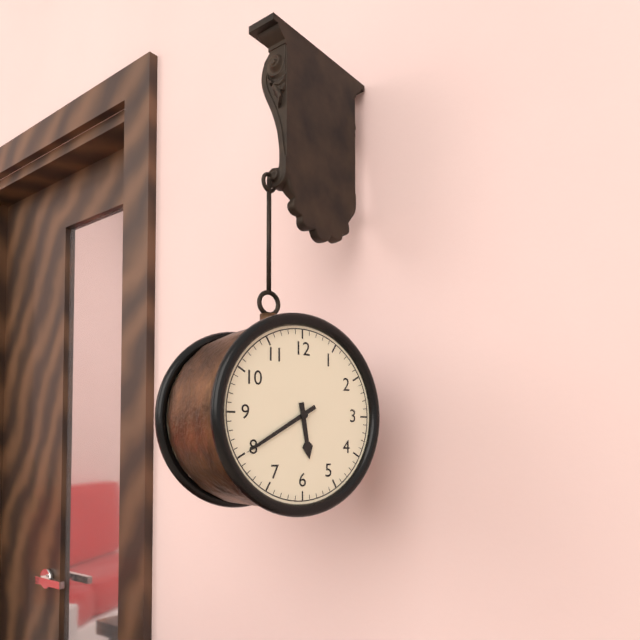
5 h 40 min
